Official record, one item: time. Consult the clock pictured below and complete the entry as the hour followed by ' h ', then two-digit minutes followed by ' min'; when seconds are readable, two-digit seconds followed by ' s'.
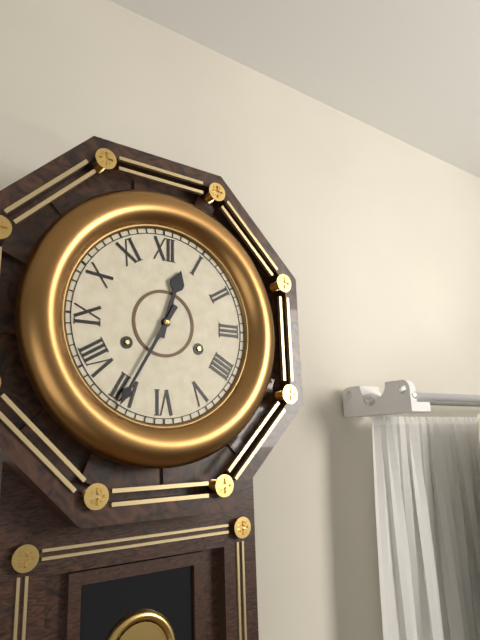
12 h 35 min
